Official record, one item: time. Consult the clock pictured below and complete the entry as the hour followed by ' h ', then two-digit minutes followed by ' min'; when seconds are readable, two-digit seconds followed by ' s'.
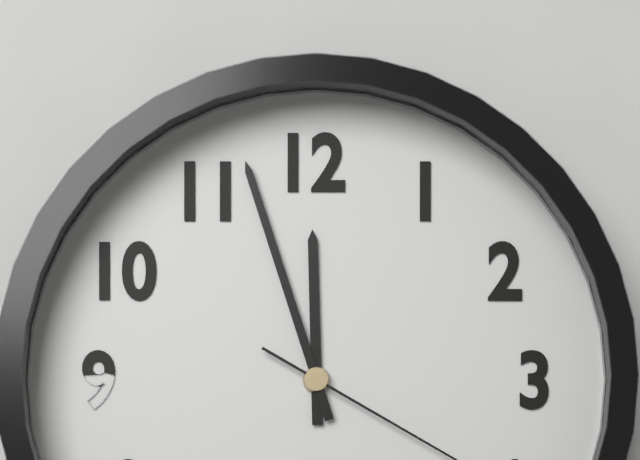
11 h 57 min
